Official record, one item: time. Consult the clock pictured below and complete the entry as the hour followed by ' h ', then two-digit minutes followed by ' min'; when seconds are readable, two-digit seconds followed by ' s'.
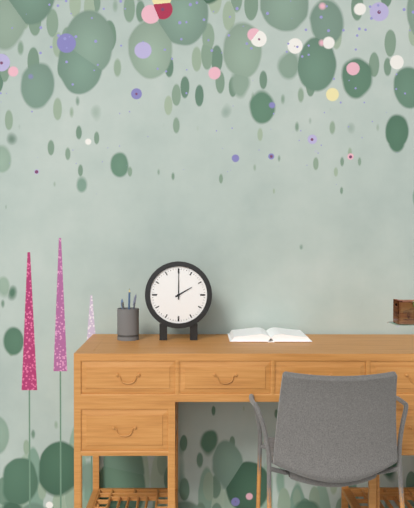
2 h 00 min
